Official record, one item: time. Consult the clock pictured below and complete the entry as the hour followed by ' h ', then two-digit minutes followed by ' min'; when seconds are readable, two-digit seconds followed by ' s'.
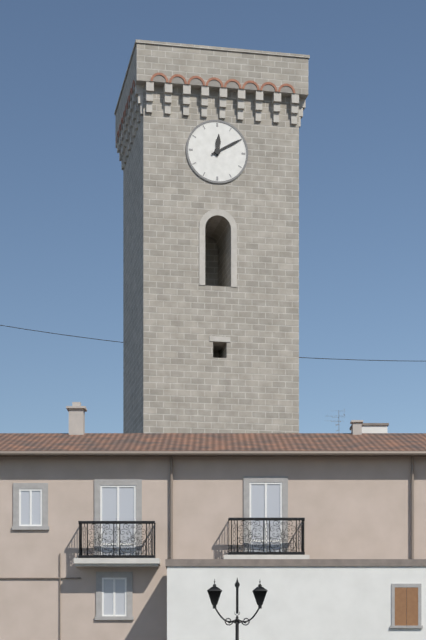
12 h 10 min
